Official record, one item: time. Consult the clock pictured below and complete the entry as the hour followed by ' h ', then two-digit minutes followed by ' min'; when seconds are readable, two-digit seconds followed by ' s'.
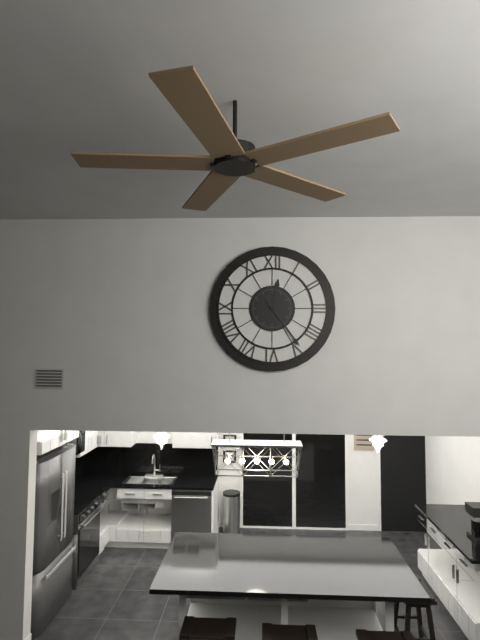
12 h 24 min
